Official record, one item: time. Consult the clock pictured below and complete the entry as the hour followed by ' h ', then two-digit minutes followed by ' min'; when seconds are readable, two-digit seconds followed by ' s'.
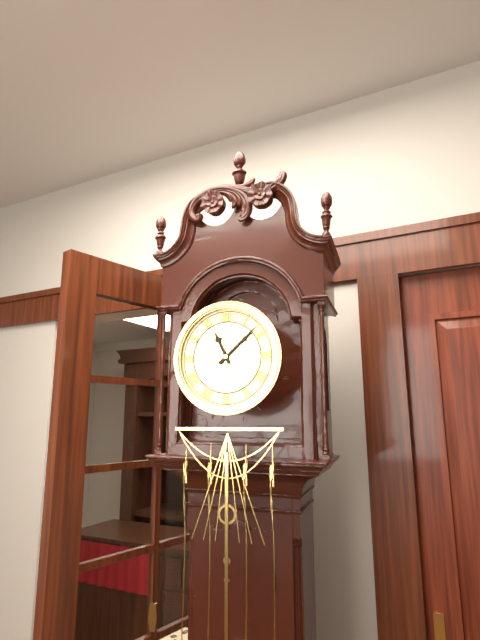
11 h 08 min
